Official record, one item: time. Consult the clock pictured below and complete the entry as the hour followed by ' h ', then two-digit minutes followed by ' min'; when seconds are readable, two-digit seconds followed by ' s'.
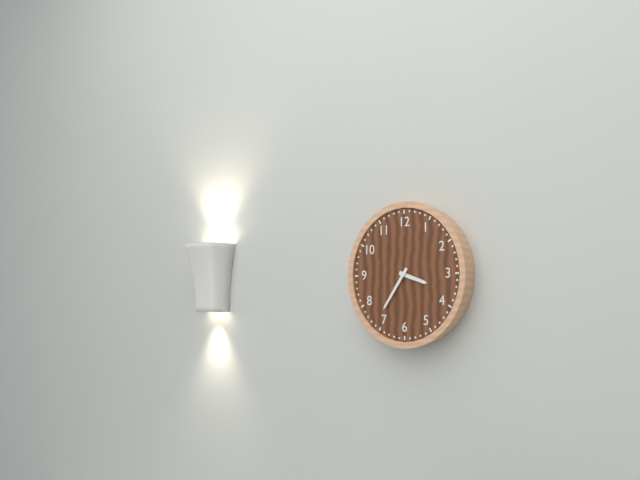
3 h 36 min
